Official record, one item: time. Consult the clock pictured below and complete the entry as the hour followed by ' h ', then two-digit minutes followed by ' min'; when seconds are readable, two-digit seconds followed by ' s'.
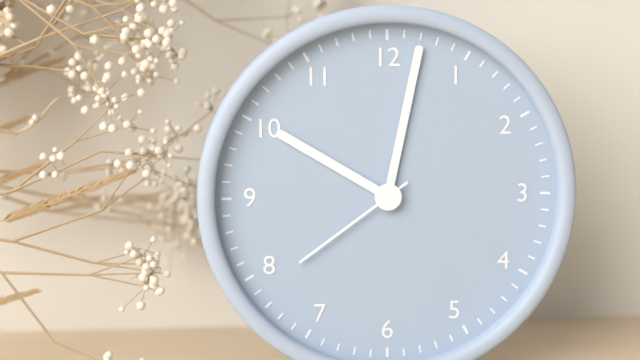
10 h 02 min 39 s
